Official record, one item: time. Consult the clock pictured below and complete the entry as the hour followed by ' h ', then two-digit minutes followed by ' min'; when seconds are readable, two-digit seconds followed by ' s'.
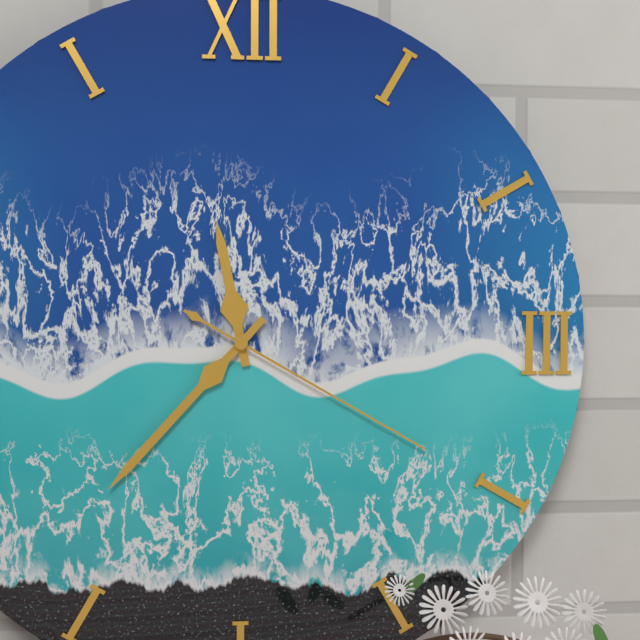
11 h 37 min 20 s
